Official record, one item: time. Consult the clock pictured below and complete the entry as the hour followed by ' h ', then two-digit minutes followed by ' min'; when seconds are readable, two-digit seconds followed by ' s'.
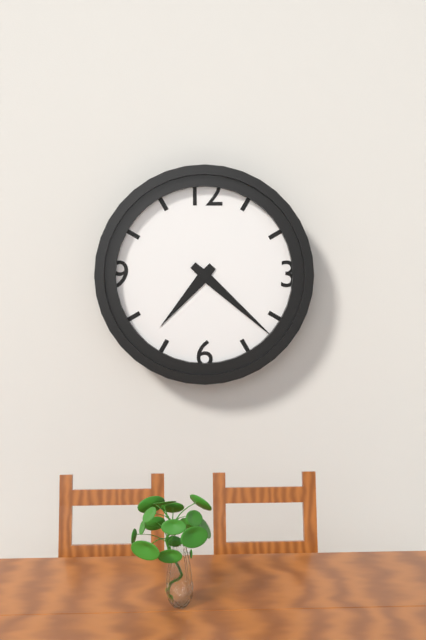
7 h 22 min
